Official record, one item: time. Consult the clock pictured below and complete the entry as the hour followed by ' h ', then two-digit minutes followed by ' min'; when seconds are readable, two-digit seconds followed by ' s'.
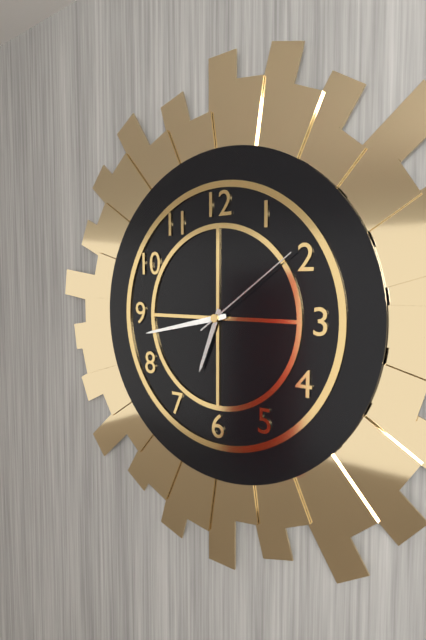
6 h 43 min 09 s
